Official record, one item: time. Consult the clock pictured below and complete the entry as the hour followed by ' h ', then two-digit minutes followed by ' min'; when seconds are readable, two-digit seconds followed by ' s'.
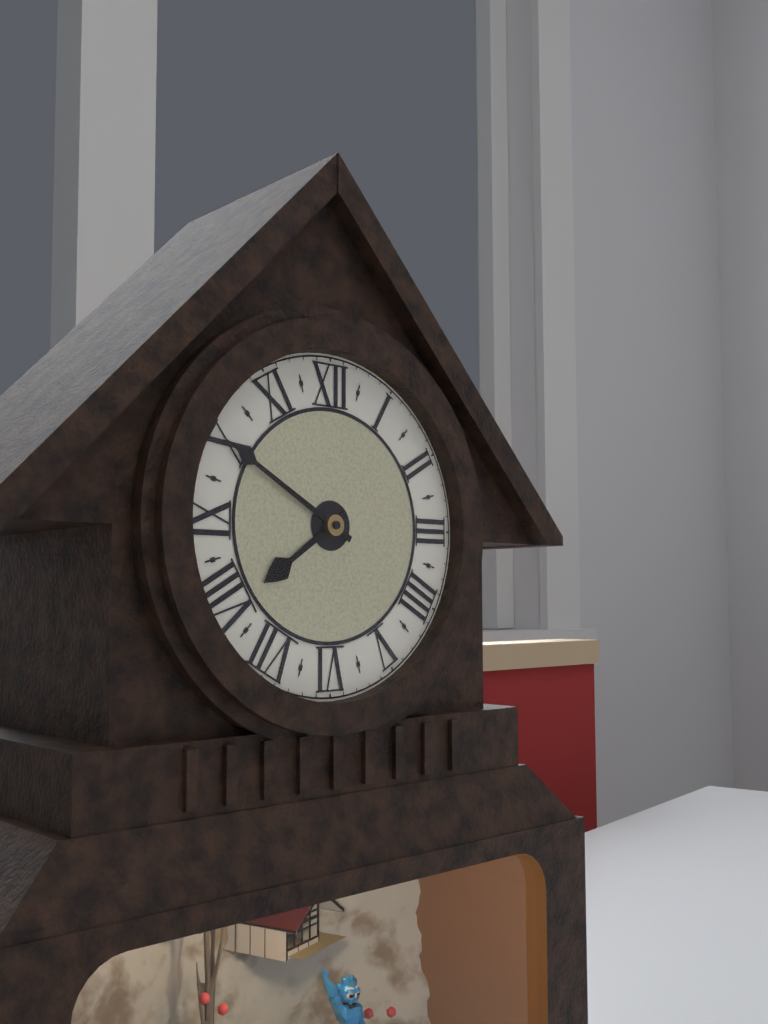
7 h 50 min
